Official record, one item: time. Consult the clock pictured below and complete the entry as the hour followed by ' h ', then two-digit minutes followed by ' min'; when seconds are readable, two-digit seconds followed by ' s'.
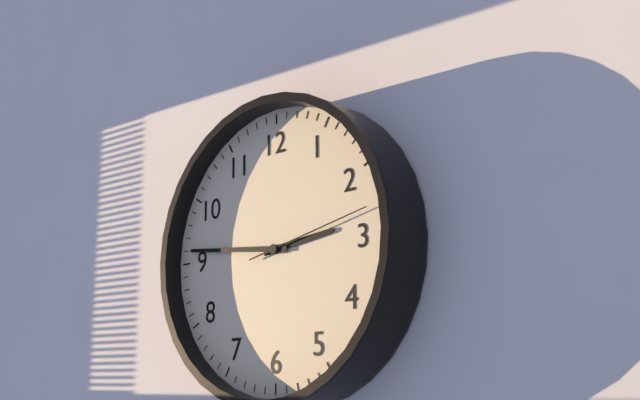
2 h 46 min 13 s
